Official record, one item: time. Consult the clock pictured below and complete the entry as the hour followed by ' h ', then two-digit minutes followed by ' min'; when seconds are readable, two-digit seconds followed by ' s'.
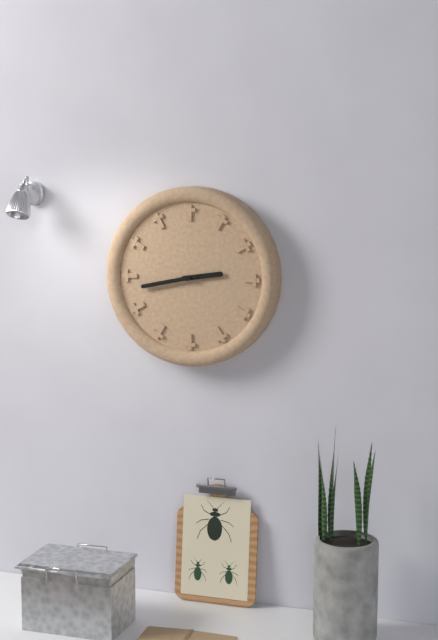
2 h 43 min
